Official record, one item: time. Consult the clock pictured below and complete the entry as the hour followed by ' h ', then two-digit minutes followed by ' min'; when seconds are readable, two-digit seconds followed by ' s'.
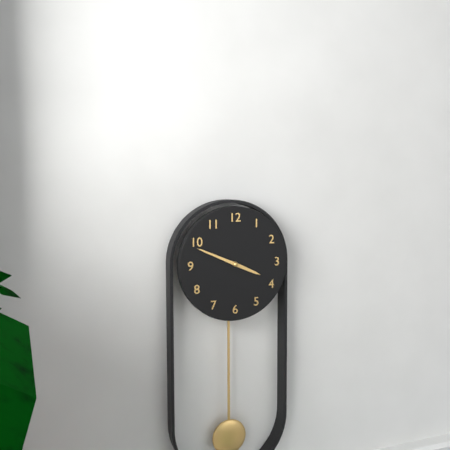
3 h 49 min
